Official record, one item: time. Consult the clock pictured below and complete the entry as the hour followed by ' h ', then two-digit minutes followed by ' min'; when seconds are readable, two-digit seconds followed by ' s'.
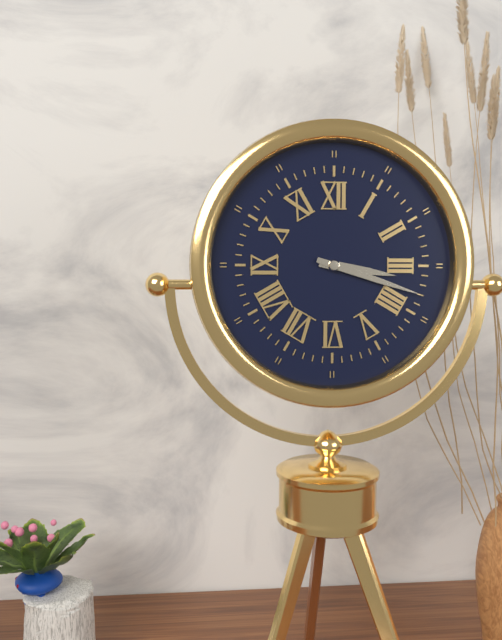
3 h 18 min
